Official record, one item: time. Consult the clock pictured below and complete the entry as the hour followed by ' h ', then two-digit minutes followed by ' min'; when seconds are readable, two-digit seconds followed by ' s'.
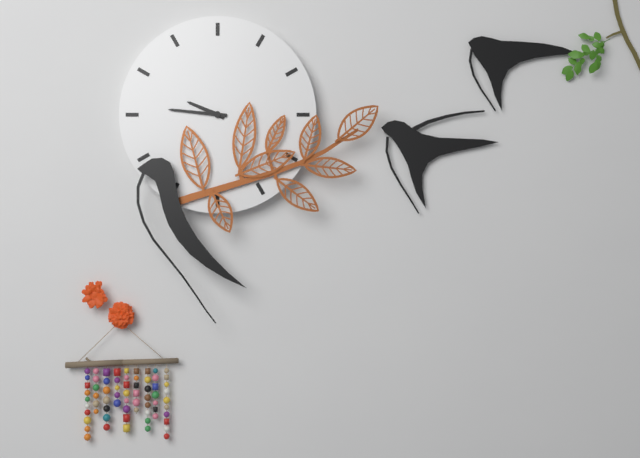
9 h 46 min
